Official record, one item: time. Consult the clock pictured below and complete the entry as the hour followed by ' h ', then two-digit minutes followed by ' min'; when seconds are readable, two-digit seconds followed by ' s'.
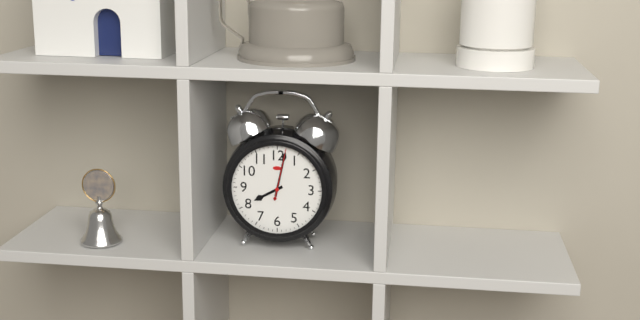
8 h 02 min 02 s
